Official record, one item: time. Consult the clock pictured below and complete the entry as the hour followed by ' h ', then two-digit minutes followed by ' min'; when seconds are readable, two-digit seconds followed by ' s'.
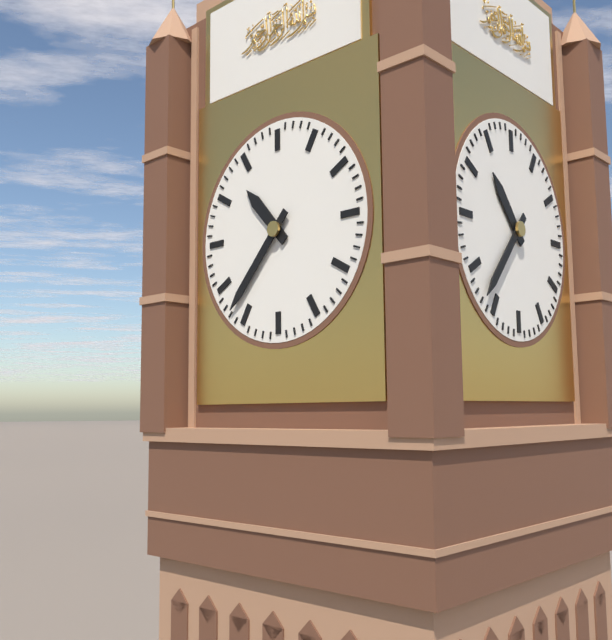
10 h 37 min
